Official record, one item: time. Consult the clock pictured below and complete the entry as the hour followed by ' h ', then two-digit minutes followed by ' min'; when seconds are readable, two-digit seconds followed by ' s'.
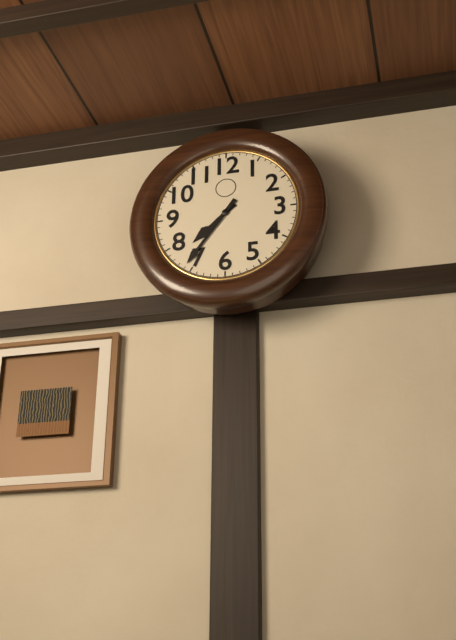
7 h 36 min
